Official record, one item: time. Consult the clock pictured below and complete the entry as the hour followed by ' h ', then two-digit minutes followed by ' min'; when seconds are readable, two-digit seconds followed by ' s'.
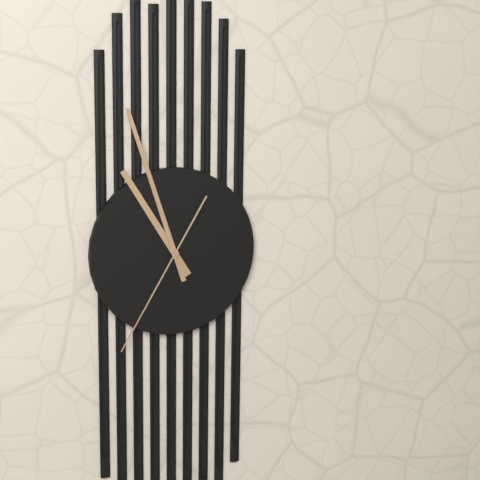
10 h 57 min 35 s
